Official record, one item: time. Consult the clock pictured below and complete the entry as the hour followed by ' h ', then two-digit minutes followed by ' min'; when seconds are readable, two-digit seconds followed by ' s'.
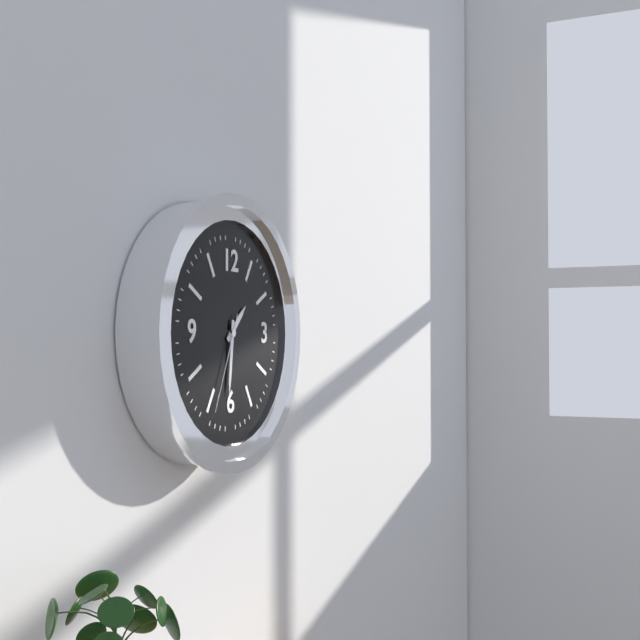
1 h 31 min 34 s
